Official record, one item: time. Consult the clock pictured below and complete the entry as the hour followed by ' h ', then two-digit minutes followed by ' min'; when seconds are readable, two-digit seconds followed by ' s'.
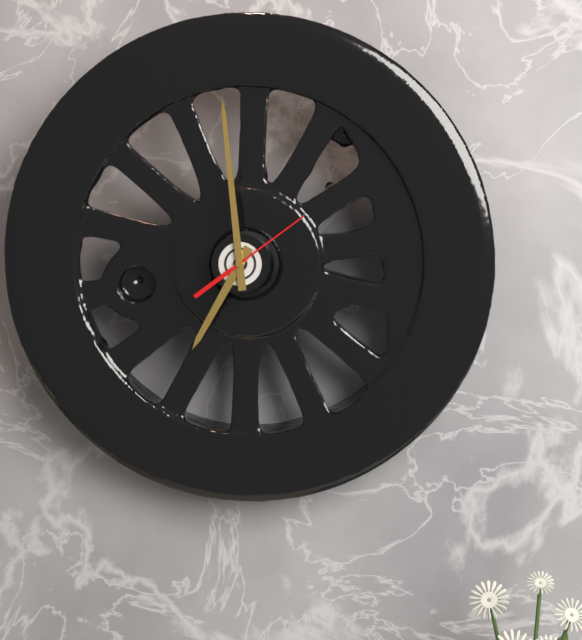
6 h 59 min 09 s
